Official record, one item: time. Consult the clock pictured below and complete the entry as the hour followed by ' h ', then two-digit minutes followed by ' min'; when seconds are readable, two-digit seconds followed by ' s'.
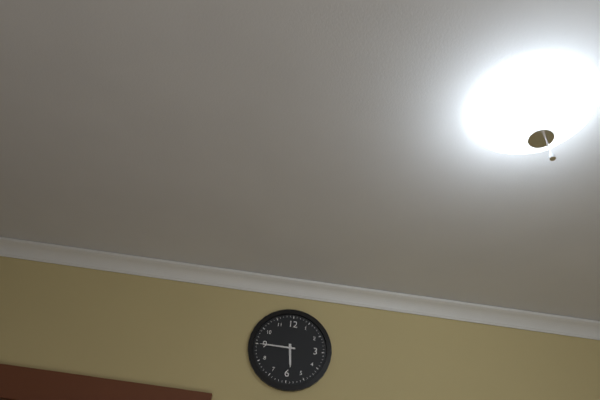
5 h 45 min
